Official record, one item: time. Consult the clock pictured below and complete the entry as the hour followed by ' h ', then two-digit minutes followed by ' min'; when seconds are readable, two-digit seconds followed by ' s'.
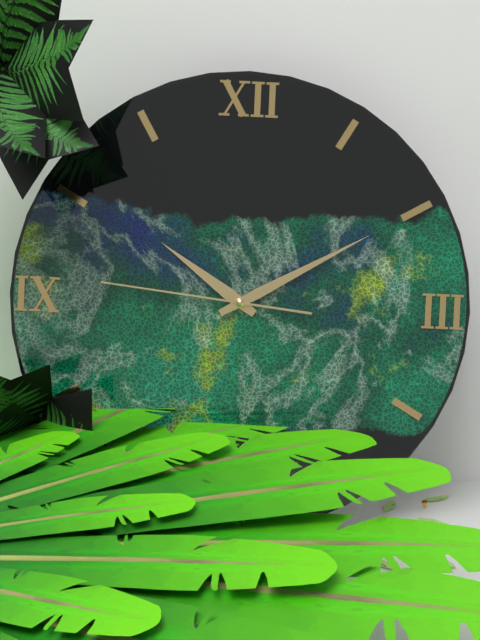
10 h 10 min 46 s
